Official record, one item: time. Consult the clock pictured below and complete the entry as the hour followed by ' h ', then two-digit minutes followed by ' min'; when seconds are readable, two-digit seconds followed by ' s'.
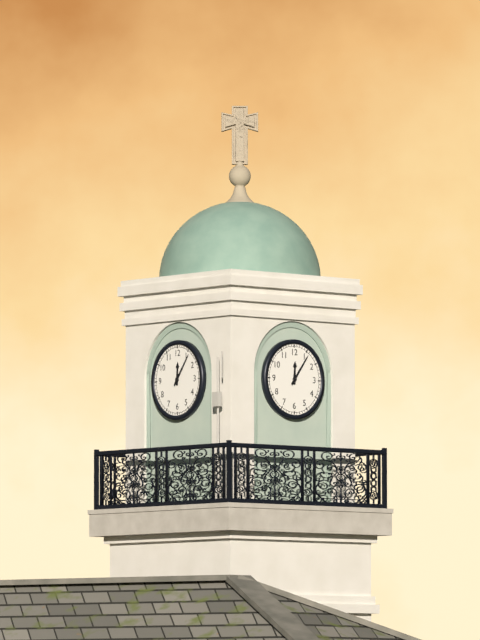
12 h 06 min
